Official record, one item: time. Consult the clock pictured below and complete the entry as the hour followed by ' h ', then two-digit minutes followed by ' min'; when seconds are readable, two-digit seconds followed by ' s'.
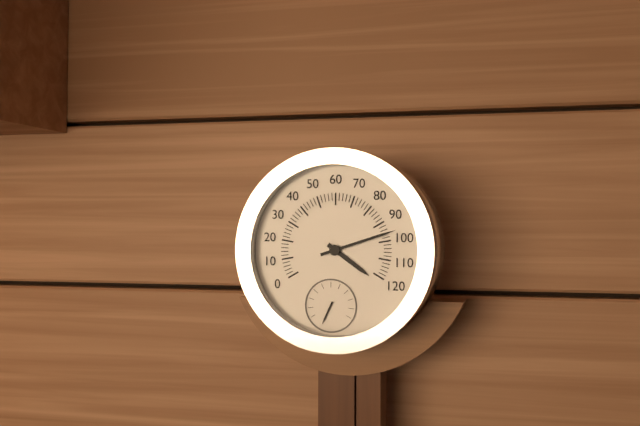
4 h 12 min
